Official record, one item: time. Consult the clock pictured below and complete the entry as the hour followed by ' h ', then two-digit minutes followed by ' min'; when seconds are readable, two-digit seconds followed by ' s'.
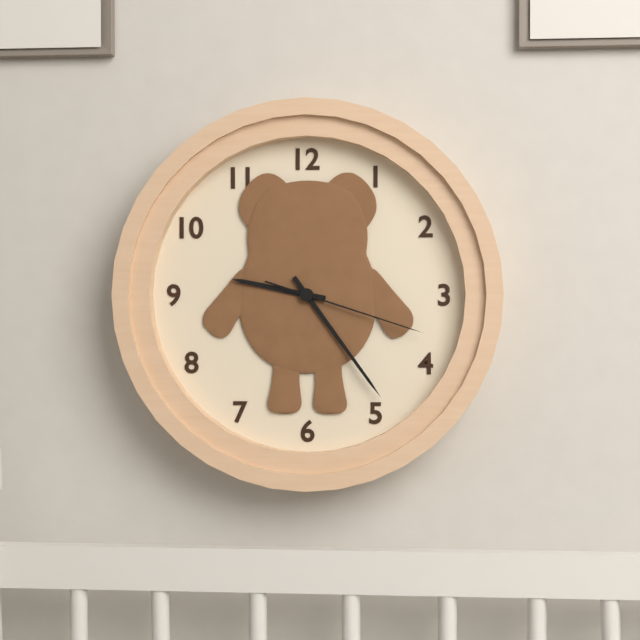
9 h 24 min 18 s
